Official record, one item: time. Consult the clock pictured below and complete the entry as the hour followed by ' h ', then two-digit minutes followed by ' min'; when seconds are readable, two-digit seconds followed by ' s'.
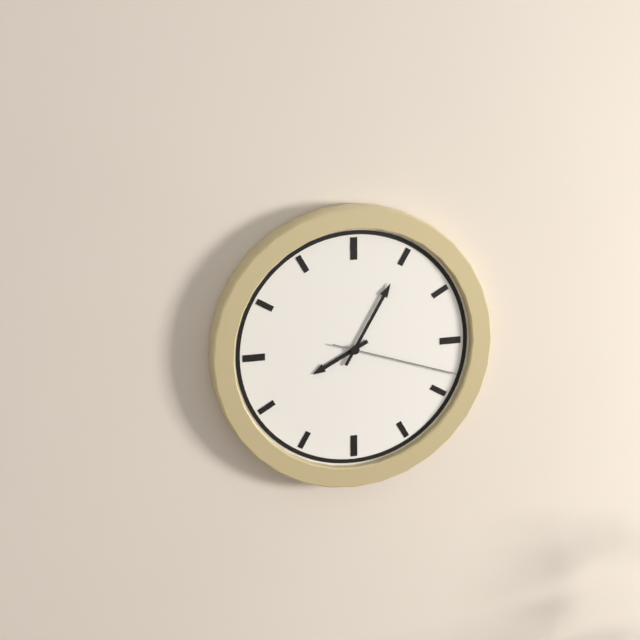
8 h 05 min 18 s
